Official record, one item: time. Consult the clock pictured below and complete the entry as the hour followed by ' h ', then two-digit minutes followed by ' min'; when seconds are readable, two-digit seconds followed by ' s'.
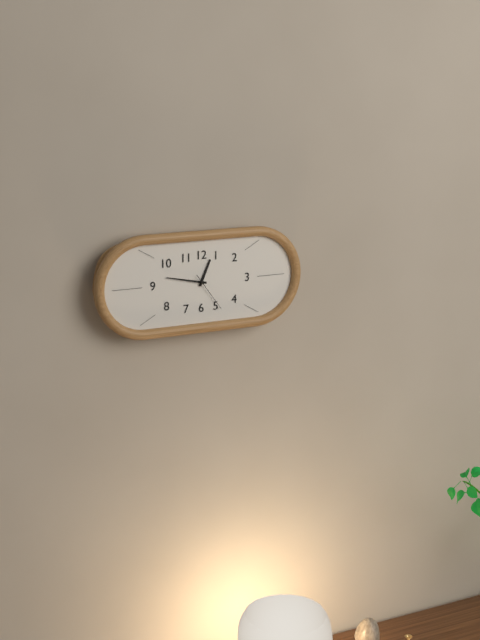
12 h 47 min
